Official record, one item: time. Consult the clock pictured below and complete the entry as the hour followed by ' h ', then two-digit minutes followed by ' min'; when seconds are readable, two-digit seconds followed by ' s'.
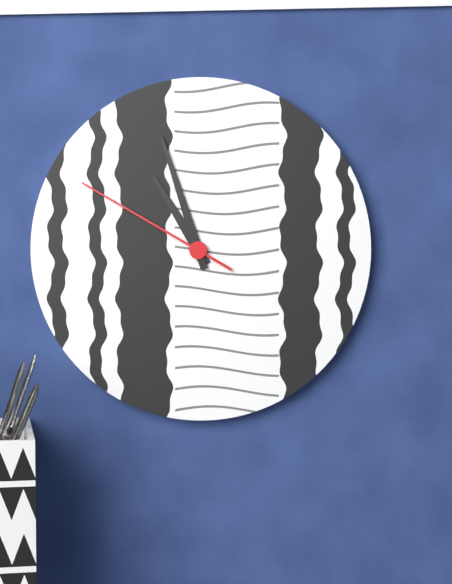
10 h 57 min 50 s
